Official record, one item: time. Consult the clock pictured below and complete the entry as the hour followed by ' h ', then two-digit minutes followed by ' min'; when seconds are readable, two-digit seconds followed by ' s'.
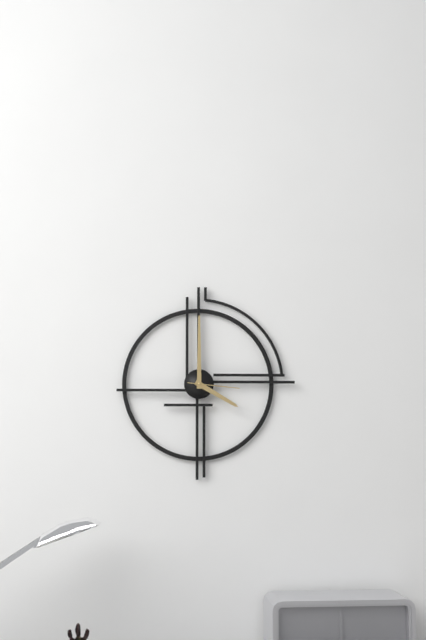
4 h 00 min 16 s
